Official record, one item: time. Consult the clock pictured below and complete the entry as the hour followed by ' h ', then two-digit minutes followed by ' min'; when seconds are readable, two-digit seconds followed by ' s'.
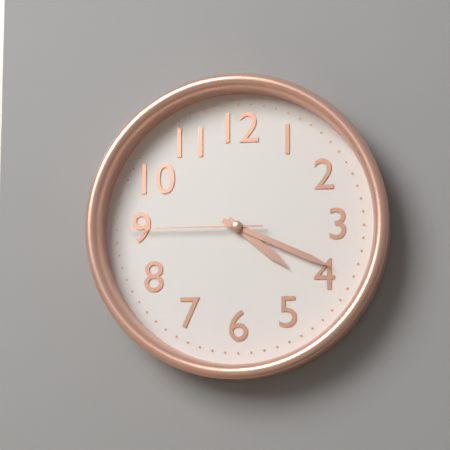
4 h 19 min 45 s
